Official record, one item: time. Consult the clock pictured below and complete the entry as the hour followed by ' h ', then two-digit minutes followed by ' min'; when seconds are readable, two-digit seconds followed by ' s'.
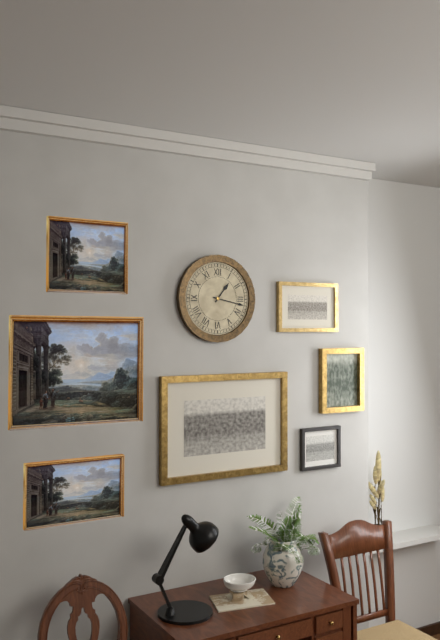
1 h 17 min
